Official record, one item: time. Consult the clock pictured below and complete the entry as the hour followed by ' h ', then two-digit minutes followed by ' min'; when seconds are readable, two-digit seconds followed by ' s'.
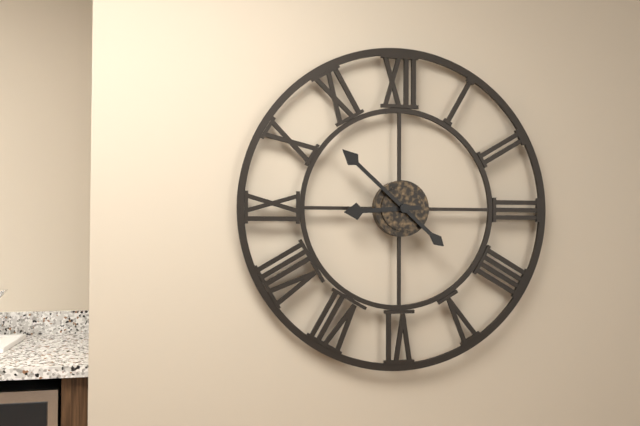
8 h 52 min
